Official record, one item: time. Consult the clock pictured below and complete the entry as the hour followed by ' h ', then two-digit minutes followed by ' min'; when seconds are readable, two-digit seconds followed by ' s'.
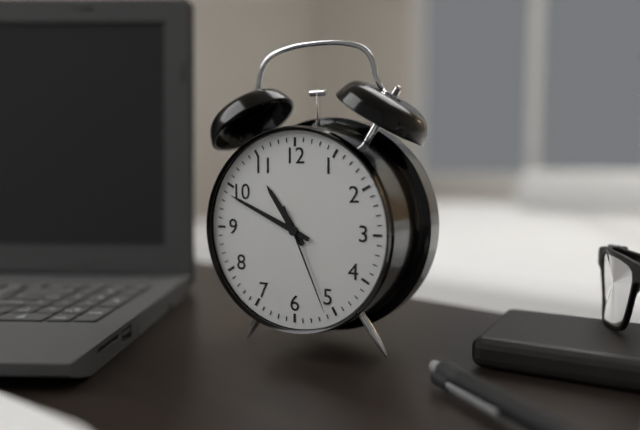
10 h 49 min 26 s
